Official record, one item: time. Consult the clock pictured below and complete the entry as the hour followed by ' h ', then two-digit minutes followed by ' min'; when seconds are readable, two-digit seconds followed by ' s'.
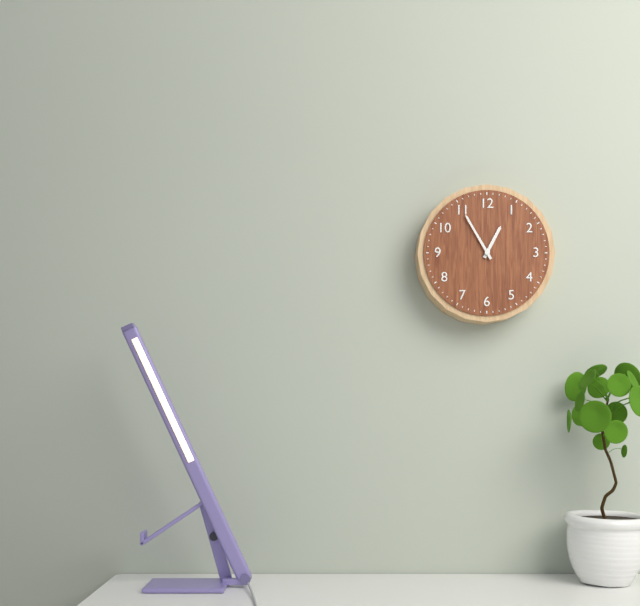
12 h 55 min
